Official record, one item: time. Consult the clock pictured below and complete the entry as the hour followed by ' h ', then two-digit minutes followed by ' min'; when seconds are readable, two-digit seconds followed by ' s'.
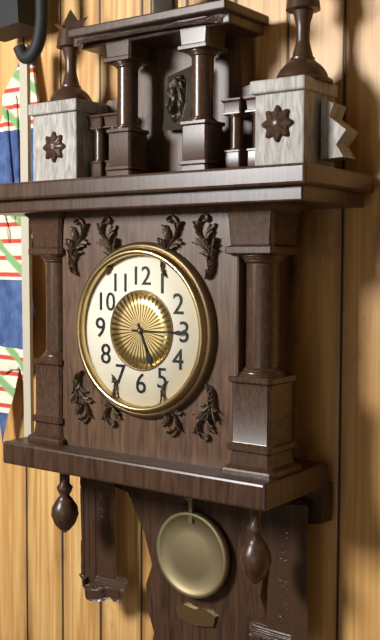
5 h 15 min
